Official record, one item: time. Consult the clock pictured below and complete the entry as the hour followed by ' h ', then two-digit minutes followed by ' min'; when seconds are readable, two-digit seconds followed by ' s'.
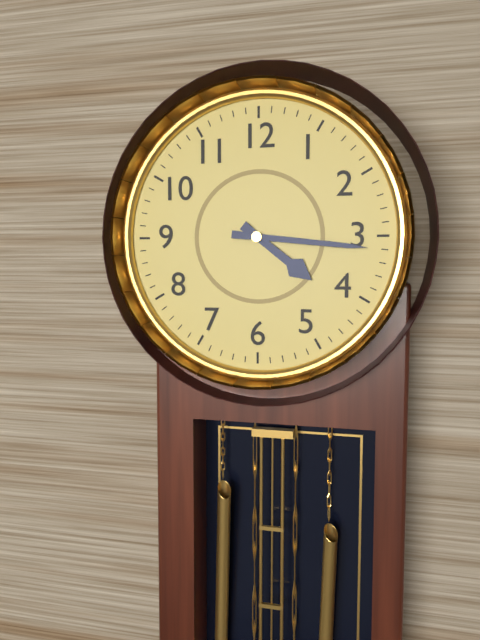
4 h 16 min
